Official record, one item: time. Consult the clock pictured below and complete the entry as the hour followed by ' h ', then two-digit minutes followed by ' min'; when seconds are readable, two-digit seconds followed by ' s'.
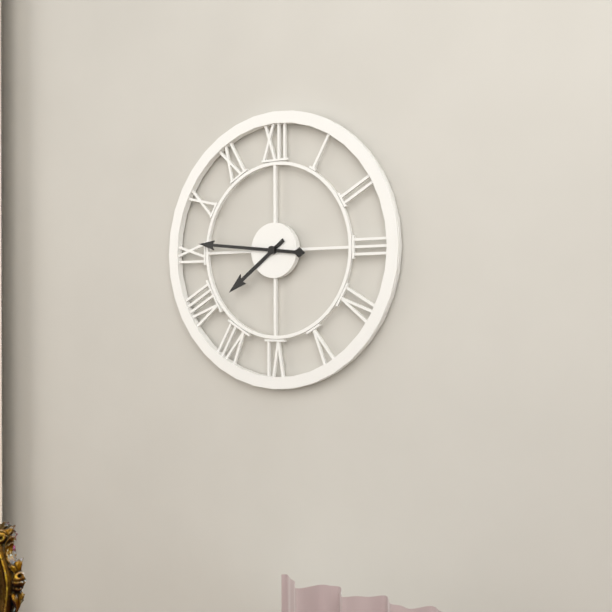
7 h 46 min
